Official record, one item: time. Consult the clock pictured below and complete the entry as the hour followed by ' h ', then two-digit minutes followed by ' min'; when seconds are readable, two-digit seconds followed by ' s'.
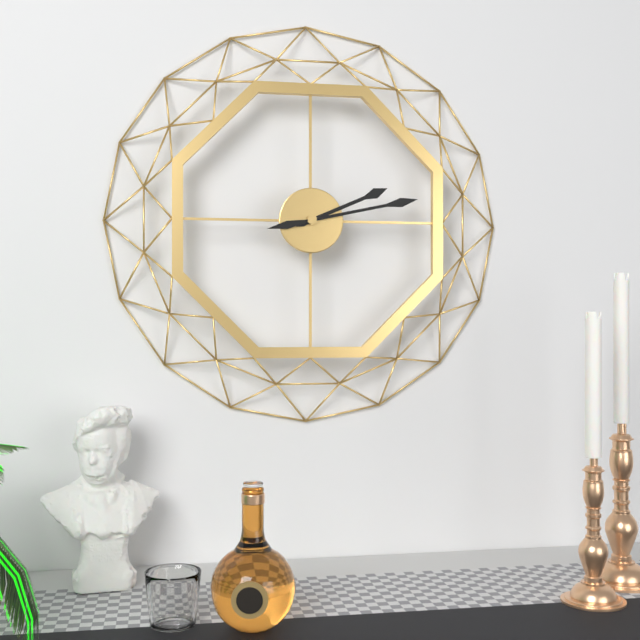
2 h 13 min
